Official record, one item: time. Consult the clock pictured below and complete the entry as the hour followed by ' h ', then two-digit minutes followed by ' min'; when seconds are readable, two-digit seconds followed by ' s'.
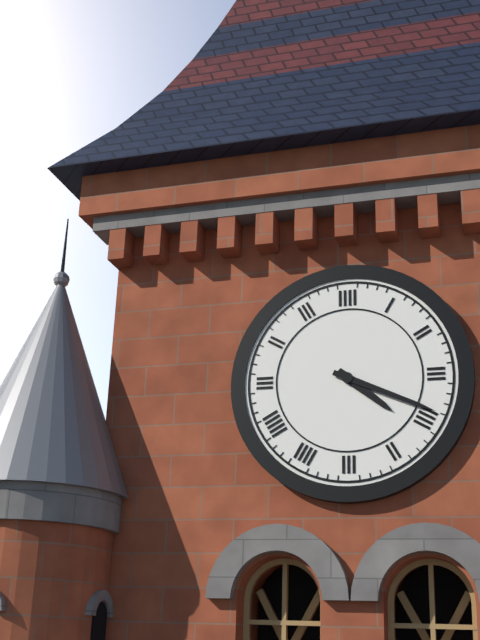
4 h 19 min
